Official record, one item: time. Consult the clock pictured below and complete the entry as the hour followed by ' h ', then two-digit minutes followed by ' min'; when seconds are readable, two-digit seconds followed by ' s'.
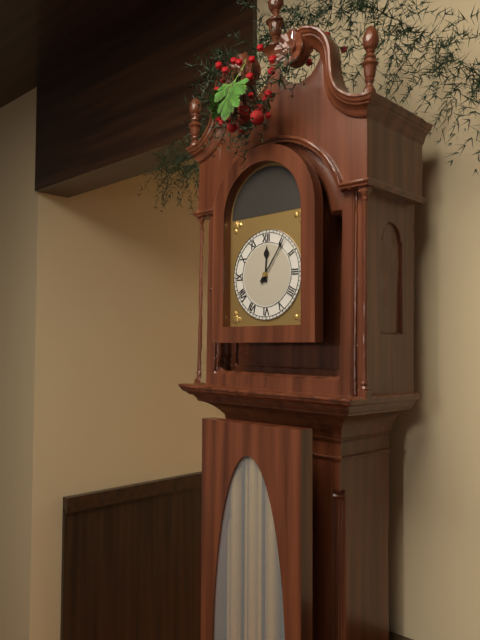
12 h 06 min
